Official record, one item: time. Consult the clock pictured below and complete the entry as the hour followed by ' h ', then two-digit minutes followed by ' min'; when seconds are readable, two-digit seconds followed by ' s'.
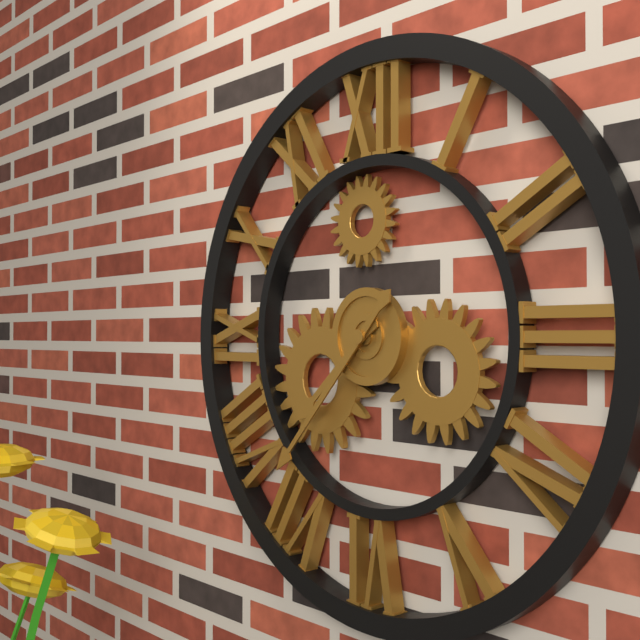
7 h 37 min
